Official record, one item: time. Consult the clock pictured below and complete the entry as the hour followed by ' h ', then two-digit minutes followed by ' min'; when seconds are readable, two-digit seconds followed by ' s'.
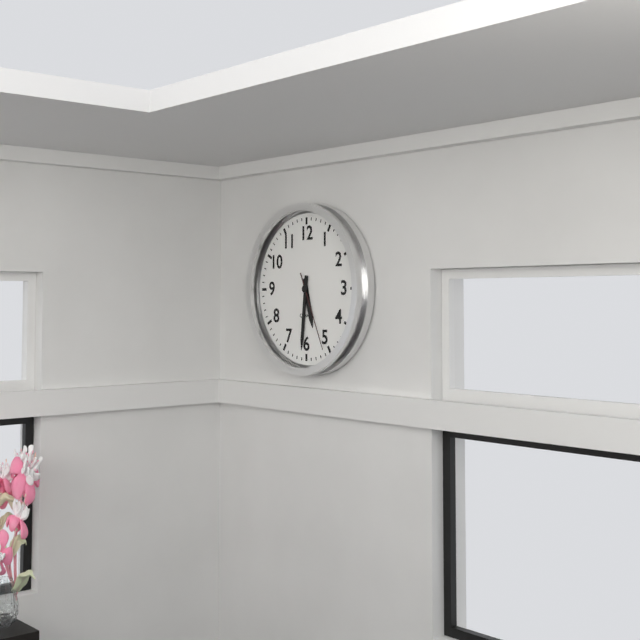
5 h 31 min 26 s
